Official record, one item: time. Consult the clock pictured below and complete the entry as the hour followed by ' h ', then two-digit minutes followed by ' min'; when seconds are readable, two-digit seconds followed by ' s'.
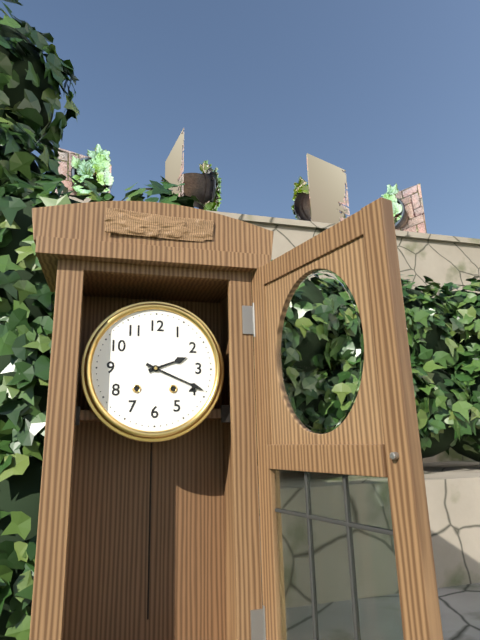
2 h 19 min
